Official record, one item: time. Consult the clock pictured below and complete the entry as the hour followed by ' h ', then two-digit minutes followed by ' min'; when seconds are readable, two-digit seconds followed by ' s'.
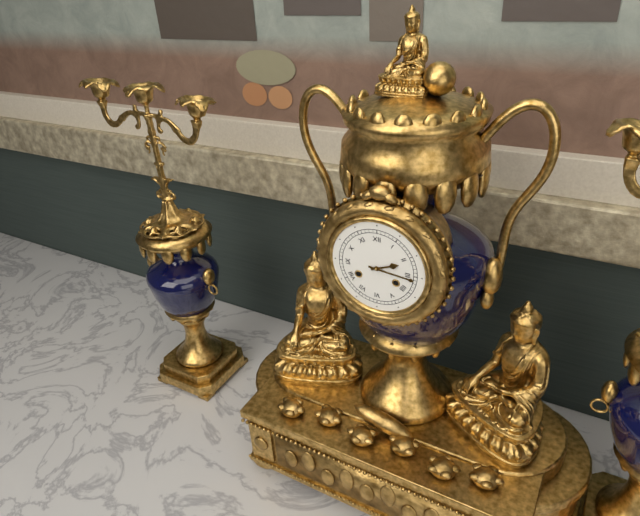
2 h 16 min
